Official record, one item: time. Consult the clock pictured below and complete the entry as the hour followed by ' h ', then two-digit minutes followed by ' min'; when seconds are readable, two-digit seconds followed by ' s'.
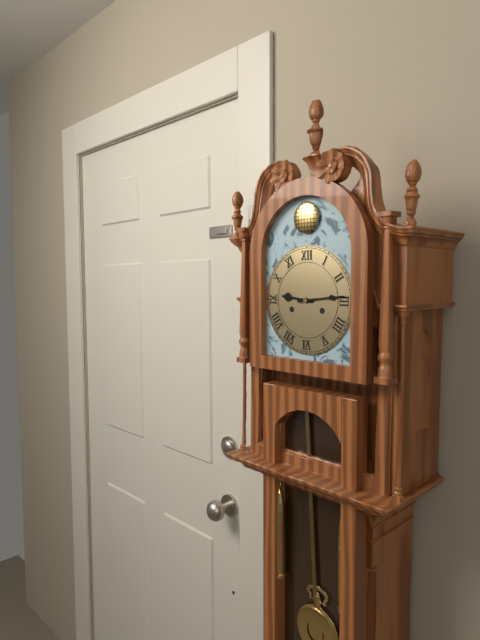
9 h 14 min
